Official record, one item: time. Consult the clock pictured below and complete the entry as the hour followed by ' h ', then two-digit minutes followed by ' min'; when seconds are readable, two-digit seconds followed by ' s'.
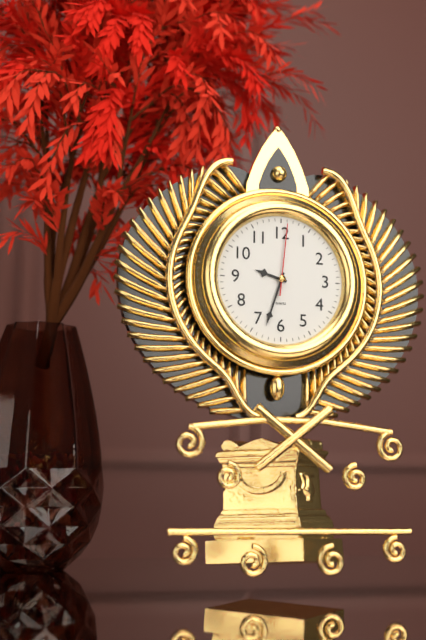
9 h 33 min 01 s
